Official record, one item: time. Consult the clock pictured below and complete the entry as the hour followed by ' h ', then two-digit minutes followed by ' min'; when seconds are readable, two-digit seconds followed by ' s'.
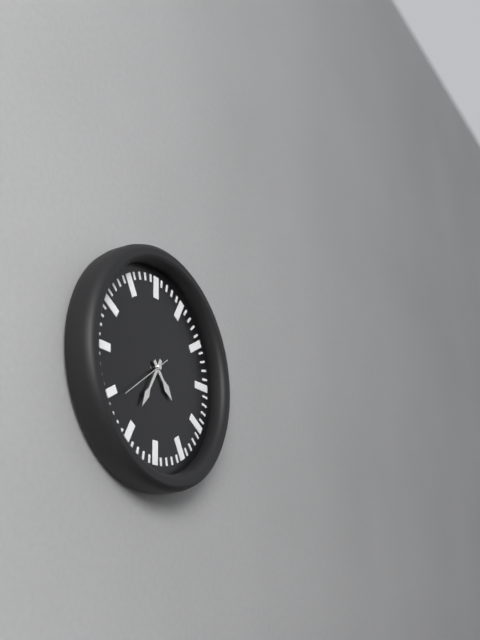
4 h 35 min 39 s
